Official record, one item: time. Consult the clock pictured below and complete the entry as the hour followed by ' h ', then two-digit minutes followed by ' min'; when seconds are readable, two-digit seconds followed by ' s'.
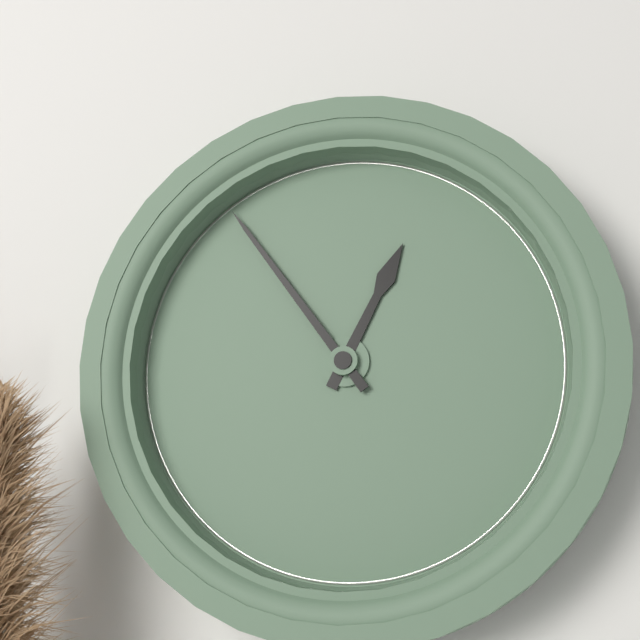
12 h 54 min
